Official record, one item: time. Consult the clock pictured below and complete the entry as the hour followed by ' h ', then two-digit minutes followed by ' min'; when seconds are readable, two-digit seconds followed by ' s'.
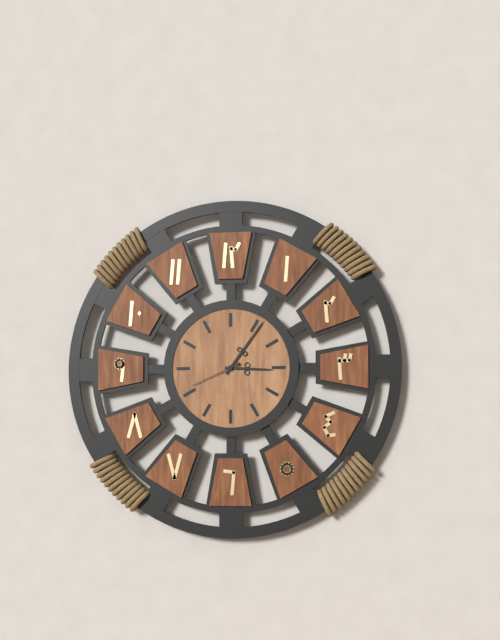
3 h 06 min 41 s
